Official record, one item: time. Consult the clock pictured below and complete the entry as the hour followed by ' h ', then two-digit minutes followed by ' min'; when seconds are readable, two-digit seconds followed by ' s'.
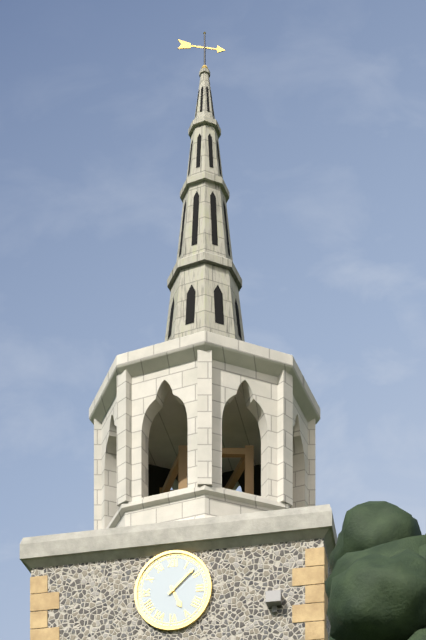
5 h 08 min
